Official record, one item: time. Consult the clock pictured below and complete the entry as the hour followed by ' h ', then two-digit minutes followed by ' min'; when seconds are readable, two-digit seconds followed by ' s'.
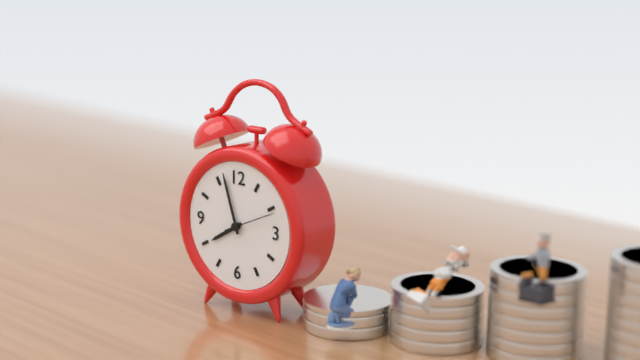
7 h 57 min 11 s
